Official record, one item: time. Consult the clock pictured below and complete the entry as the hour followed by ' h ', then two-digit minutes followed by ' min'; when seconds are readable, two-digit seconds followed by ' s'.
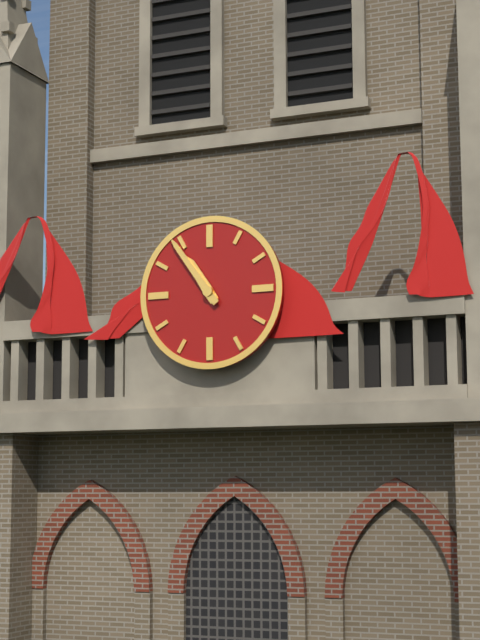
10 h 54 min
